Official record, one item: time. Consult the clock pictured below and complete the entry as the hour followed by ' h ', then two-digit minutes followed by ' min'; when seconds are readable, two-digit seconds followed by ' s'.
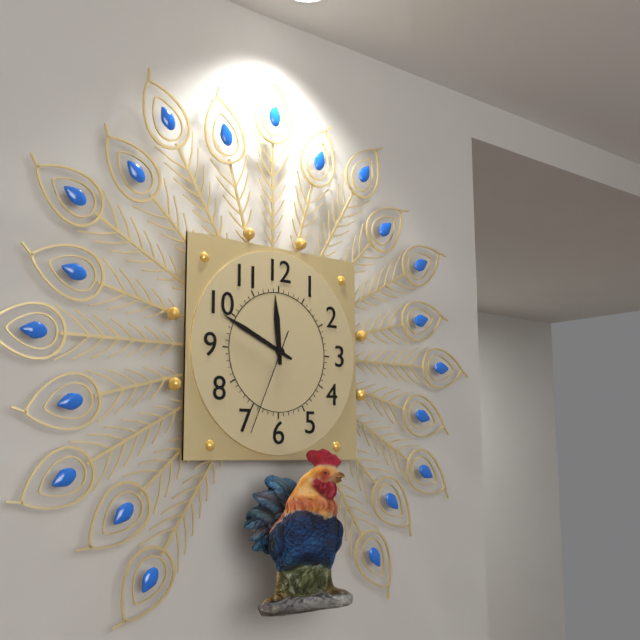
11 h 49 min 34 s
